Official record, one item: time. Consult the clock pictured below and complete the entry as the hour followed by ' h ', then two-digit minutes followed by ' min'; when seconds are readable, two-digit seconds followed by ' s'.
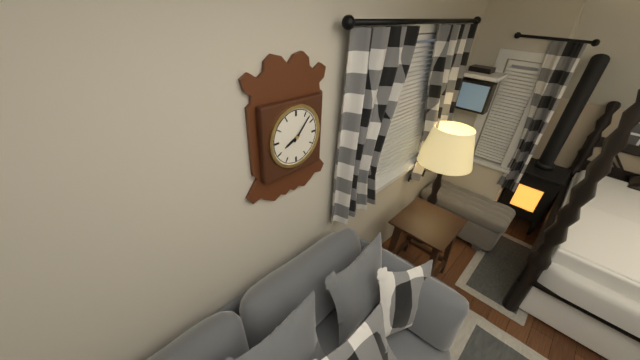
8 h 07 min
